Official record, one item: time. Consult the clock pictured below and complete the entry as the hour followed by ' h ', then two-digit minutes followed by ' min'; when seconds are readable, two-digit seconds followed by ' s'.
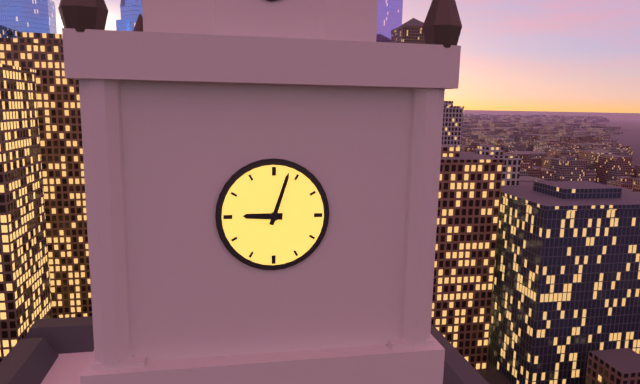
9 h 03 min
